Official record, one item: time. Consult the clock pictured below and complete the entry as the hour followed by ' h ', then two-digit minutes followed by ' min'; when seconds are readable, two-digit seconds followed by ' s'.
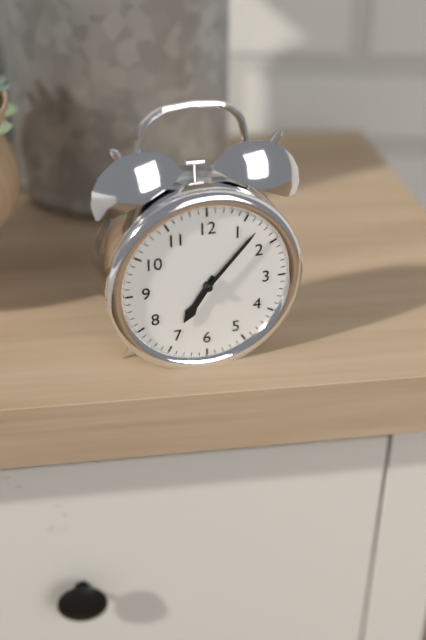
7 h 07 min
